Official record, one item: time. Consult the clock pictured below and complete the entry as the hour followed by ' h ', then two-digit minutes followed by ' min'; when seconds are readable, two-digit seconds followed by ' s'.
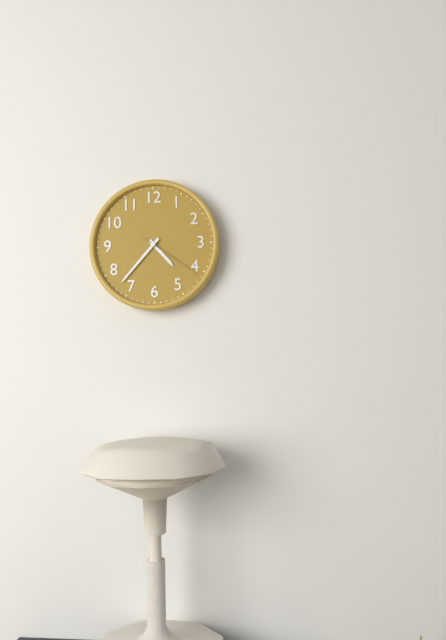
4 h 37 min 21 s
